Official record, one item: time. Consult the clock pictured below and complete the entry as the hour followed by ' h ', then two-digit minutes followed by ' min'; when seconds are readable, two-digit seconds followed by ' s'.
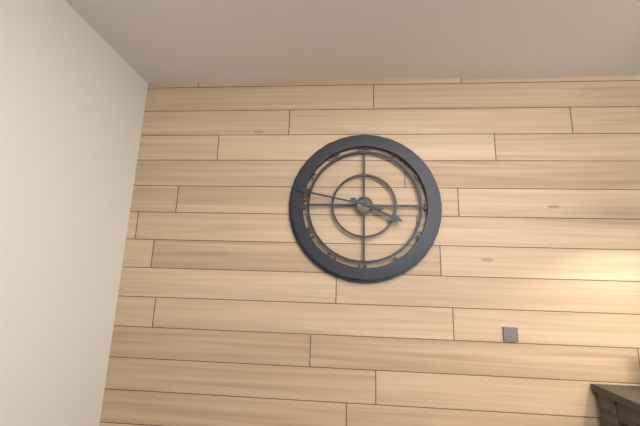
3 h 47 min
